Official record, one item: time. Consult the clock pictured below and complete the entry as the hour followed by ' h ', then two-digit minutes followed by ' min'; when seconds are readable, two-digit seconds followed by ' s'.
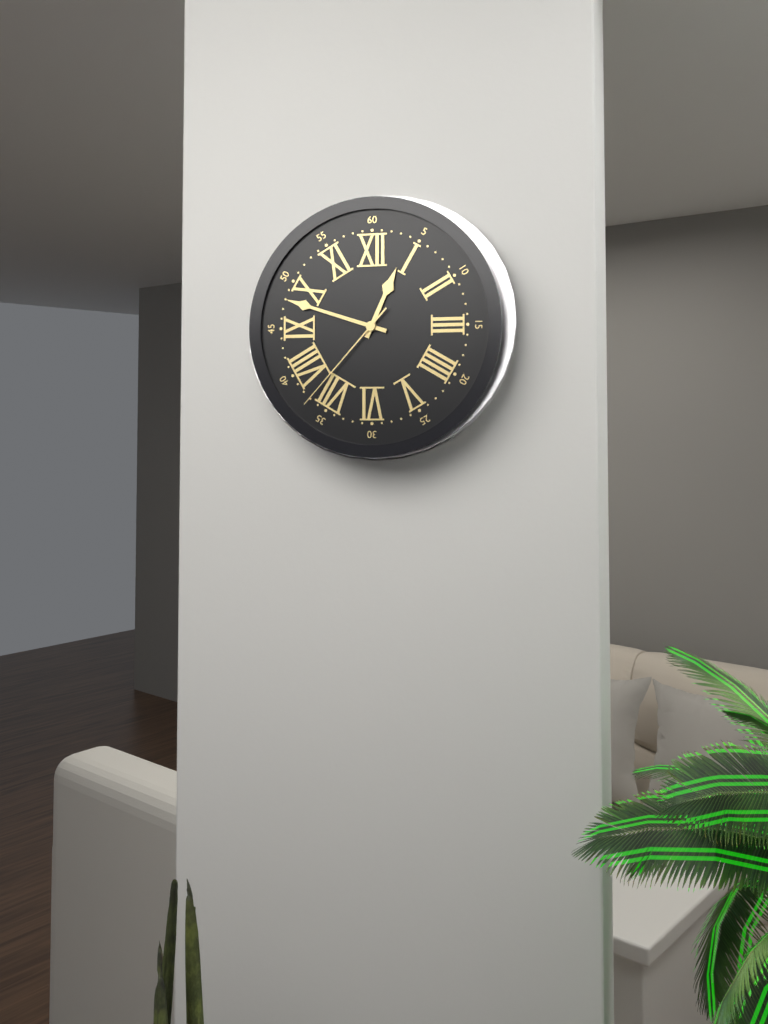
12 h 48 min 37 s
